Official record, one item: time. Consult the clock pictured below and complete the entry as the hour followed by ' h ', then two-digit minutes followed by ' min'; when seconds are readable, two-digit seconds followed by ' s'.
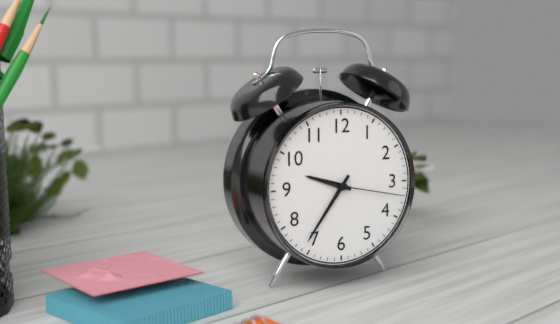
9 h 36 min 17 s
